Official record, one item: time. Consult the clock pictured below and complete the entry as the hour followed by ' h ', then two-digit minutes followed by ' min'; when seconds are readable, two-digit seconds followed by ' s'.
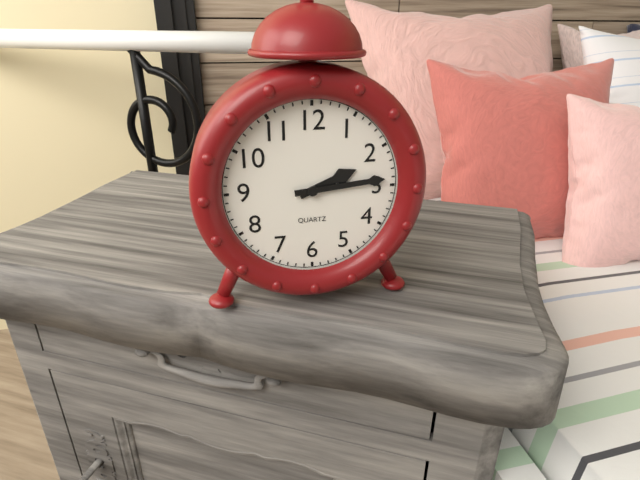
2 h 14 min
